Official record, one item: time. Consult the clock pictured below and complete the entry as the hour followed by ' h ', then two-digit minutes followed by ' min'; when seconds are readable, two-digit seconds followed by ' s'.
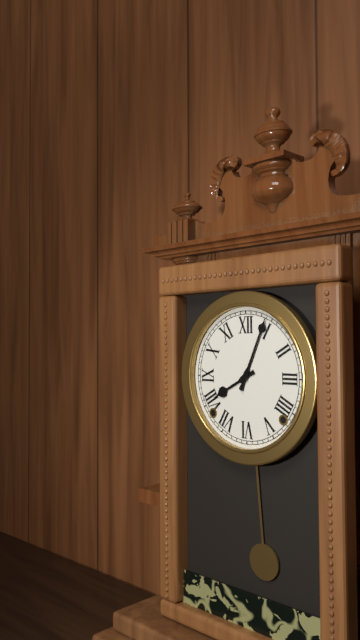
8 h 04 min
